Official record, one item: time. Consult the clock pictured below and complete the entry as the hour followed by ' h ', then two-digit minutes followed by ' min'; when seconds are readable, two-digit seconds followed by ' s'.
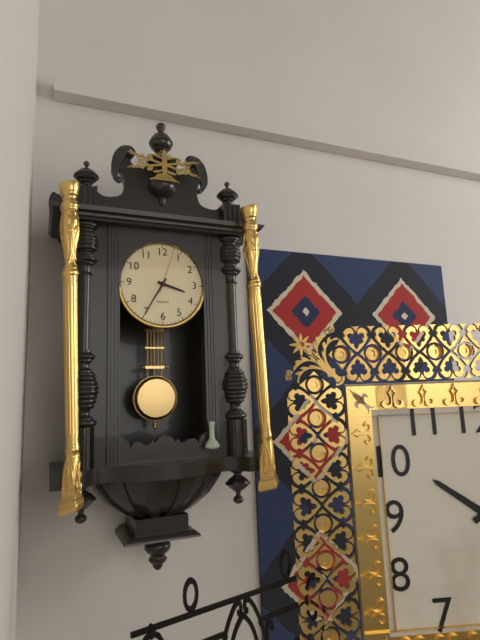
3 h 35 min
